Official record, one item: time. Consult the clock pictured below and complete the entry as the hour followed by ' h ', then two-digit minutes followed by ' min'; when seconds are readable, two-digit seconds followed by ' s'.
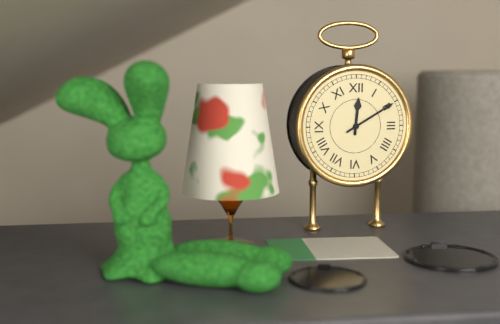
12 h 10 min
